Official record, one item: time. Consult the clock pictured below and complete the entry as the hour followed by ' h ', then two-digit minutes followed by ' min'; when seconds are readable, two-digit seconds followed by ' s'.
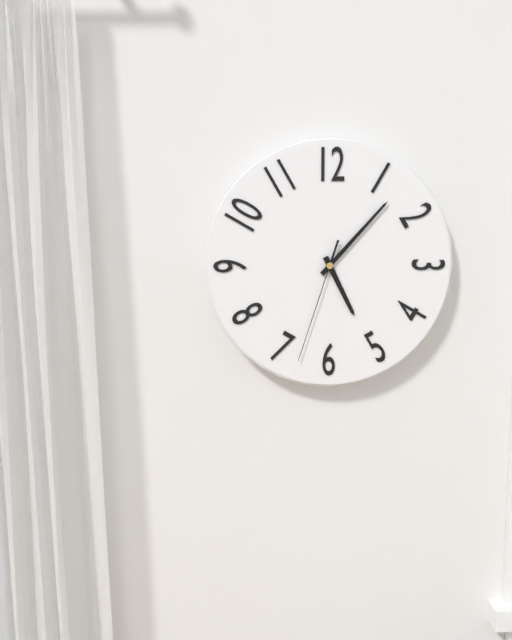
5 h 07 min 33 s
